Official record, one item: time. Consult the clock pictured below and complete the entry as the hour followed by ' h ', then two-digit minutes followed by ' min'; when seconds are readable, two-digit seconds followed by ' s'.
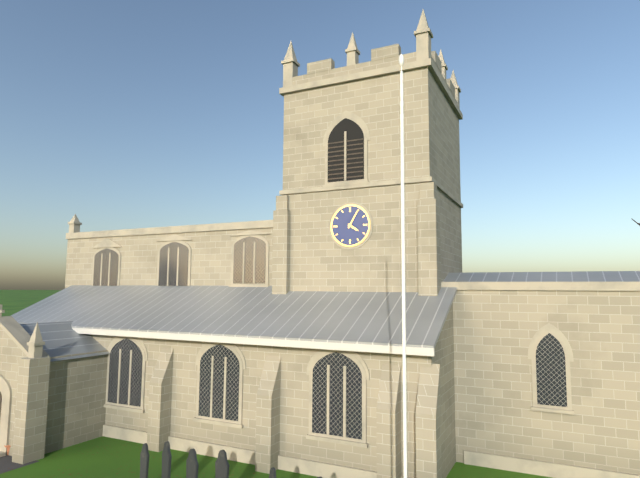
4 h 05 min
